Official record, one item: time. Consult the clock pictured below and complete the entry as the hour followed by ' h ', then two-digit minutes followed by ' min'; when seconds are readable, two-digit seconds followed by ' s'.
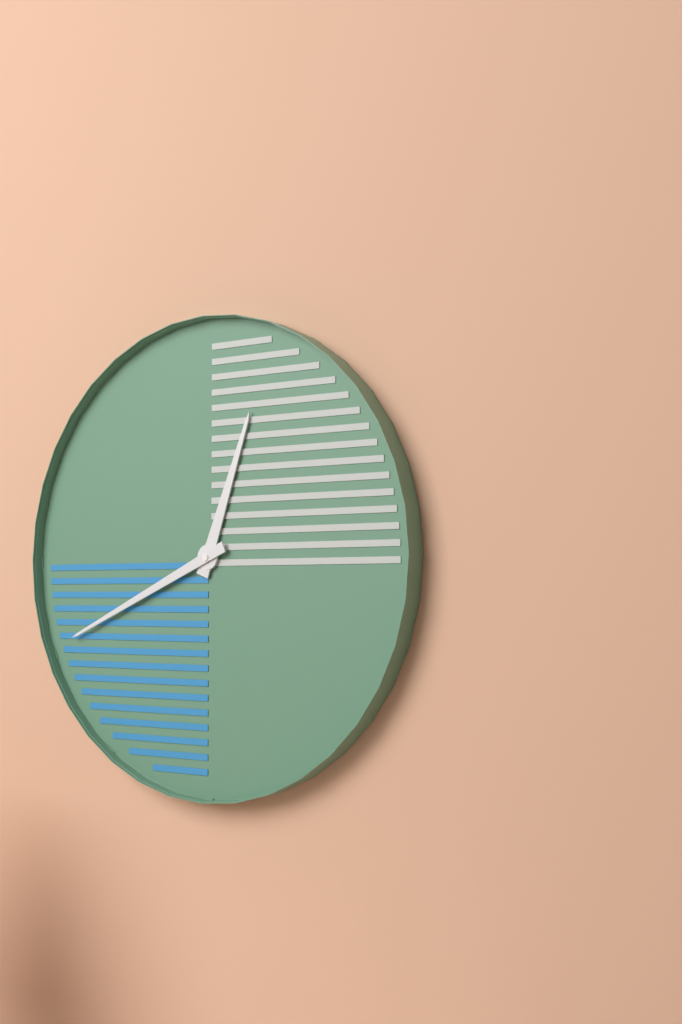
12 h 41 min
